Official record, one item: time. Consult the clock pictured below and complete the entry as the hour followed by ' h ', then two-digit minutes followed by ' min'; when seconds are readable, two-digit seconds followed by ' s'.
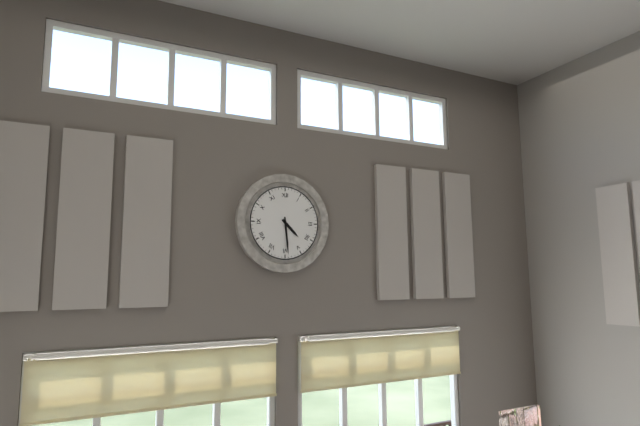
4 h 29 min
